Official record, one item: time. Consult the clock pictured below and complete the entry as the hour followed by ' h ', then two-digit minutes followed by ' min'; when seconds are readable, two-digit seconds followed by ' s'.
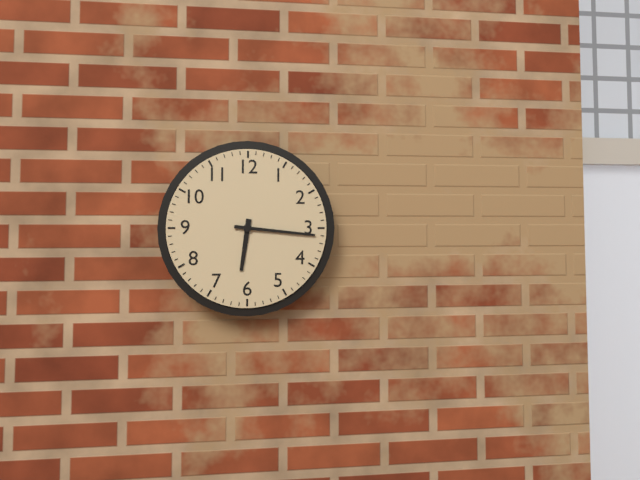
6 h 16 min
